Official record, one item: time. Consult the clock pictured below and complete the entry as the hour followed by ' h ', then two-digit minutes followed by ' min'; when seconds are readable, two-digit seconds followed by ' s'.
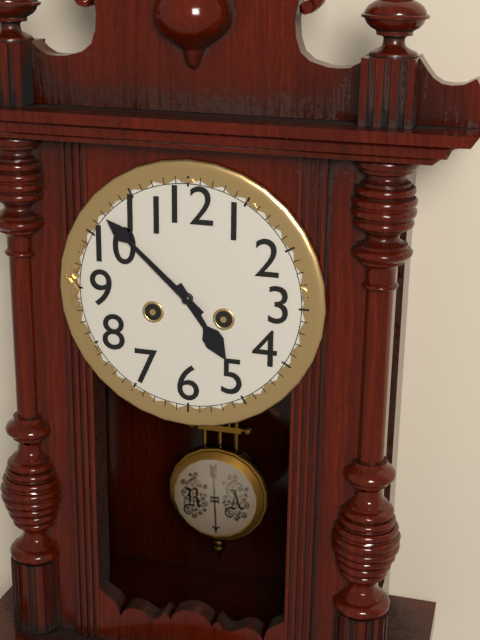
4 h 52 min
